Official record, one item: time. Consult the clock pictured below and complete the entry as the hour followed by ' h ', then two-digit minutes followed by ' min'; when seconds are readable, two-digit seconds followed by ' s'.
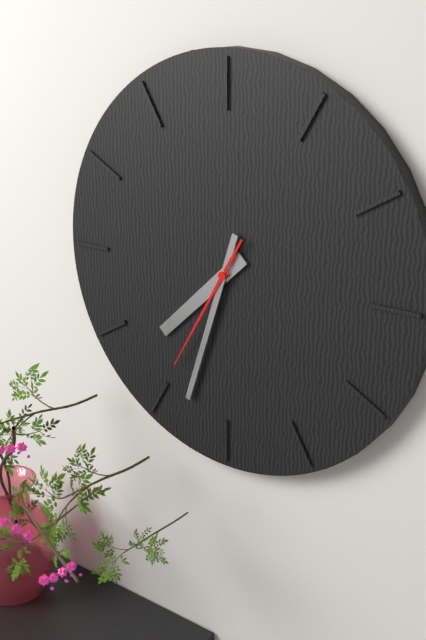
7 h 33 min 35 s
